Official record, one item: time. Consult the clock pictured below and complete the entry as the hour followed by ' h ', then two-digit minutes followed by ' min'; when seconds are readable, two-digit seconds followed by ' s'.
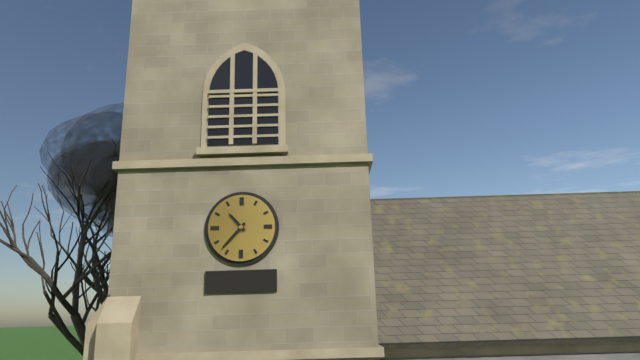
10 h 37 min
